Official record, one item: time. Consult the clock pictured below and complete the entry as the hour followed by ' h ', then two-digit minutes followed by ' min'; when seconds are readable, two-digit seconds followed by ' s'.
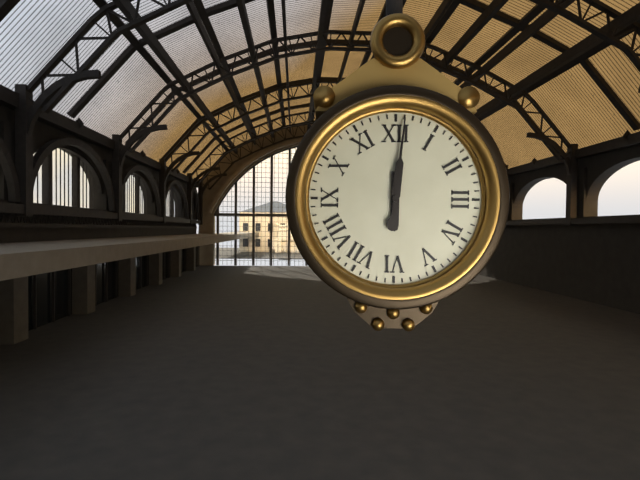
6 h 01 min
